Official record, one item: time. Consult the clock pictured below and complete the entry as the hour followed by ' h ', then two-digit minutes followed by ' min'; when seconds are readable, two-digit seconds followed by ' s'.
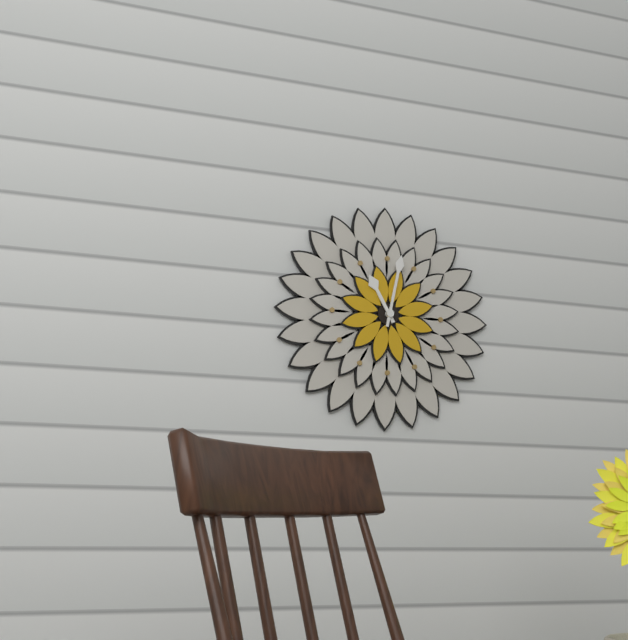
11 h 02 min
